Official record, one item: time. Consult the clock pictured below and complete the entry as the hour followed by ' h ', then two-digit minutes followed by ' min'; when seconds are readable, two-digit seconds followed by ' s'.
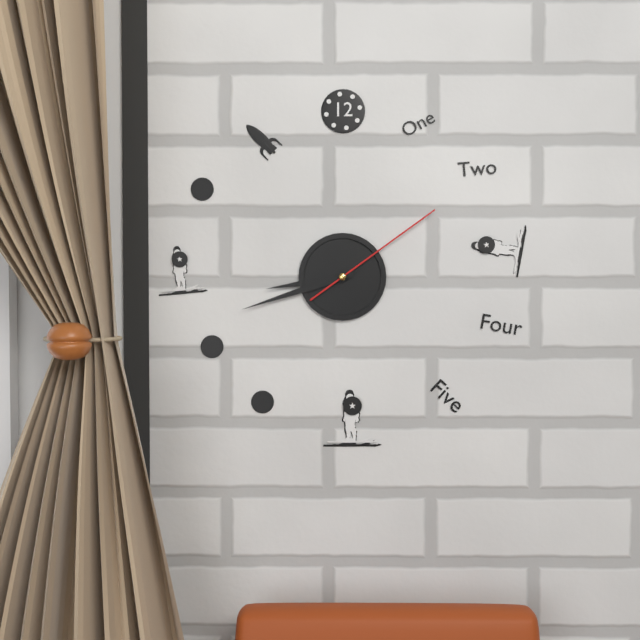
8 h 42 min 09 s
